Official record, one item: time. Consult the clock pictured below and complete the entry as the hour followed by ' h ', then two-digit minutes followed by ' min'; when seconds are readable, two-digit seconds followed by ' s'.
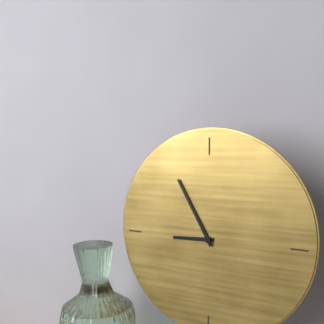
8 h 55 min
